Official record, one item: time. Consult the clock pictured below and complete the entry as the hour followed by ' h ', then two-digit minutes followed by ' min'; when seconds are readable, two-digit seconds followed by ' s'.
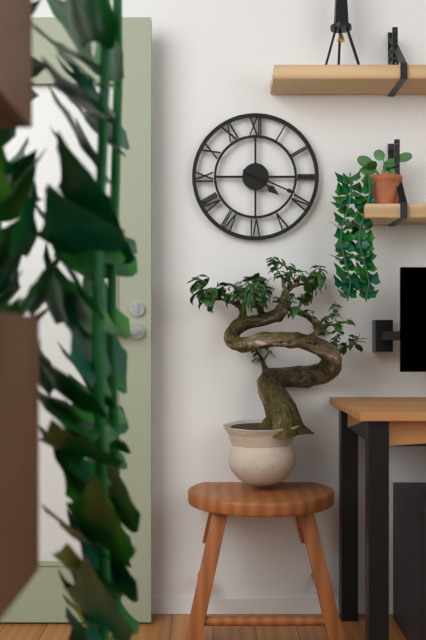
4 h 19 min
